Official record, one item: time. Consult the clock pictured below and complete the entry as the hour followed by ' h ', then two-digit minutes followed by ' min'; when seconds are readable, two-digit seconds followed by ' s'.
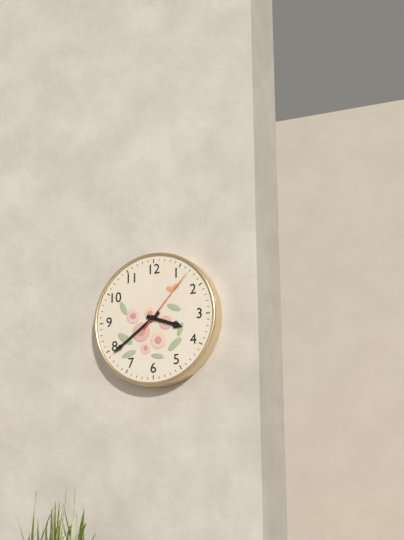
3 h 39 min 07 s
